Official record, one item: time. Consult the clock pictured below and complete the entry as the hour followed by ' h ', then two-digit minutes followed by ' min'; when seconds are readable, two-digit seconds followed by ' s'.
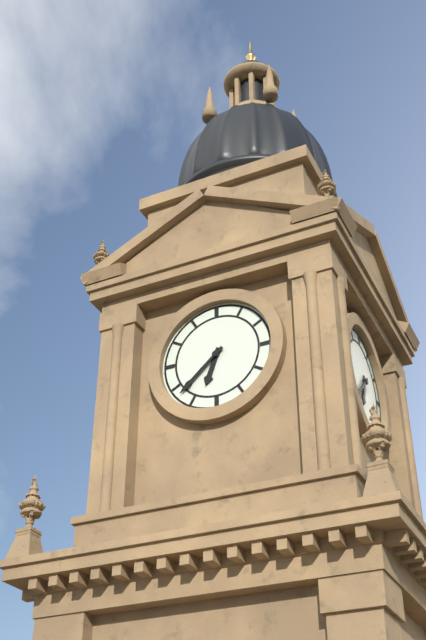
6 h 38 min
